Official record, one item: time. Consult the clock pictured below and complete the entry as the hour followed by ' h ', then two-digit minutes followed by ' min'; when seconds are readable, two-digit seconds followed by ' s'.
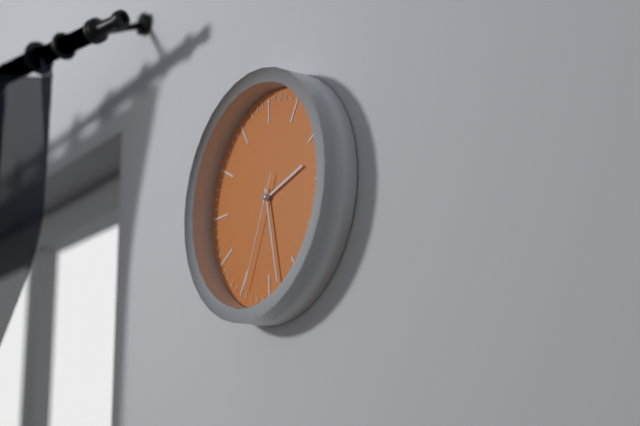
2 h 28 min 34 s
